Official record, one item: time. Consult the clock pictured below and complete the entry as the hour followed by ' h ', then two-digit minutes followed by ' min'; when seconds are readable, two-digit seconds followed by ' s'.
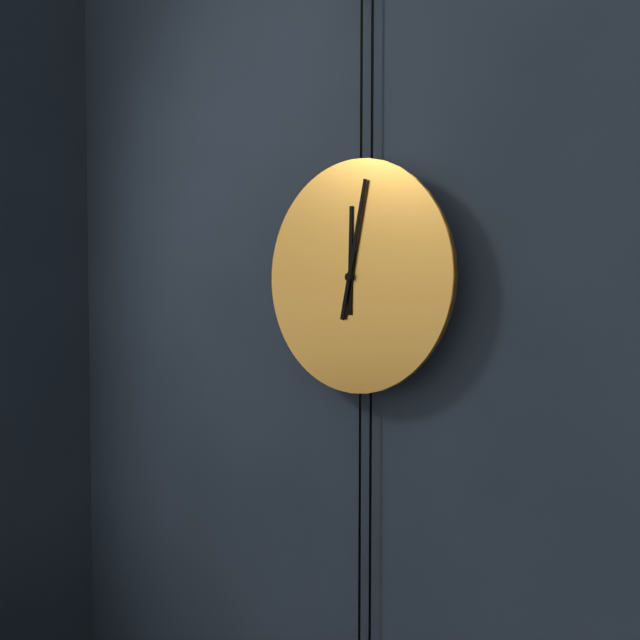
12 h 02 min
